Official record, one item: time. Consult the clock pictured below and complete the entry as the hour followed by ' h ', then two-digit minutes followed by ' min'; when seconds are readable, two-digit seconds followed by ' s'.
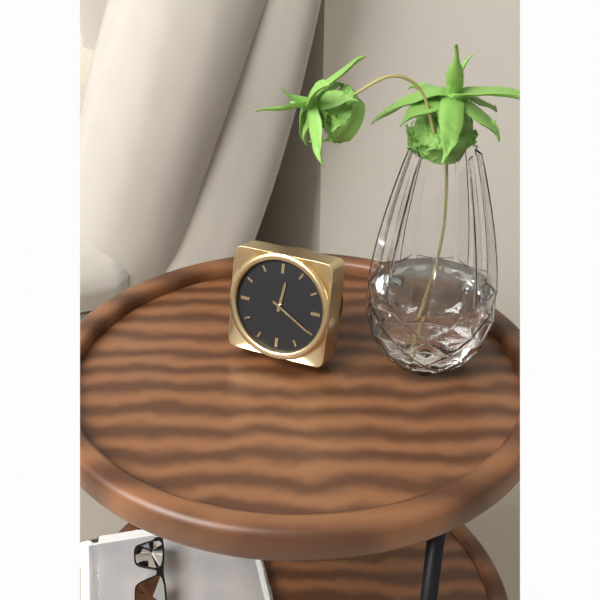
12 h 20 min
